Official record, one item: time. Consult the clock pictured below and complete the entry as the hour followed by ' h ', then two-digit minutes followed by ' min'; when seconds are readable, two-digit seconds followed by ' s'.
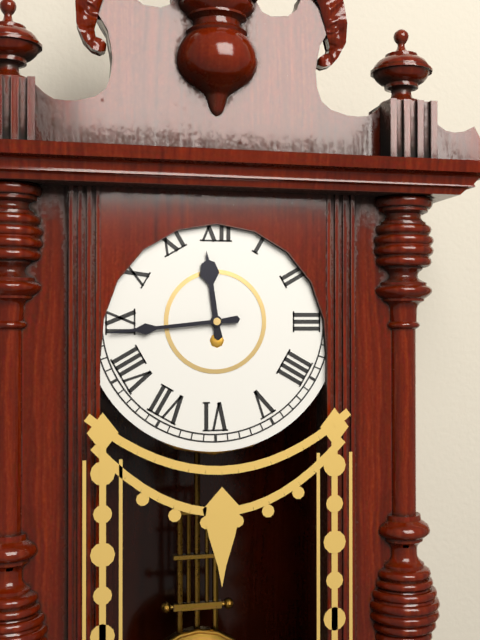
11 h 44 min
